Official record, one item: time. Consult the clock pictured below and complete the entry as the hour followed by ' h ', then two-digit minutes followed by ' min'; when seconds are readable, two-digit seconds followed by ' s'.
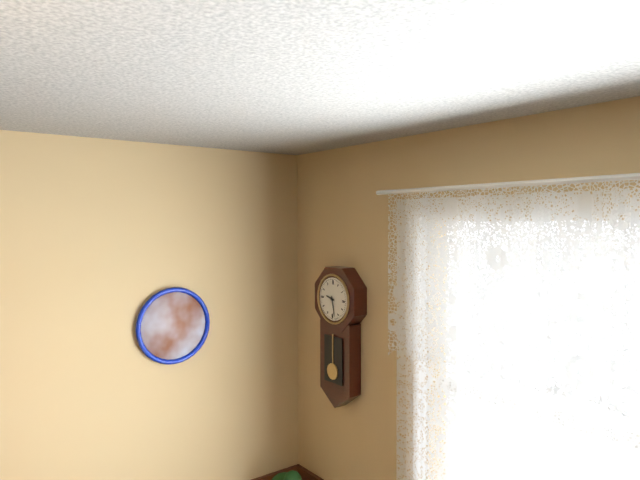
9 h 28 min
